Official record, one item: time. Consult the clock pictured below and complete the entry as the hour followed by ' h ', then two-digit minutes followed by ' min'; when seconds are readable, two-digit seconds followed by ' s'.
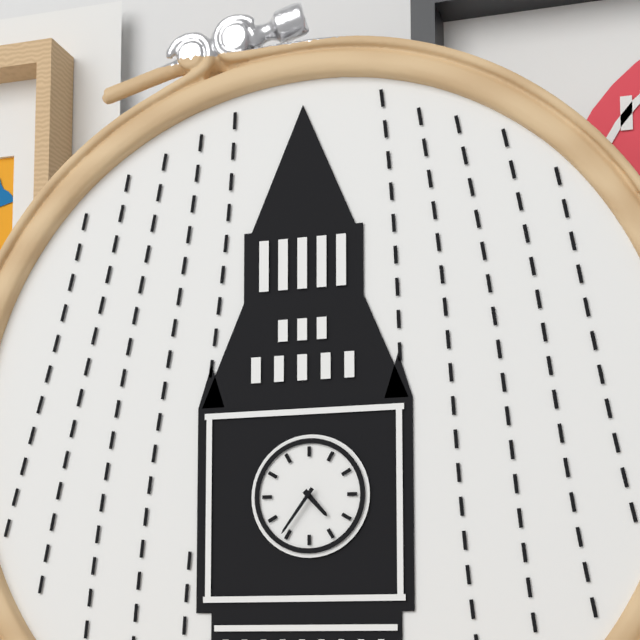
4 h 36 min
